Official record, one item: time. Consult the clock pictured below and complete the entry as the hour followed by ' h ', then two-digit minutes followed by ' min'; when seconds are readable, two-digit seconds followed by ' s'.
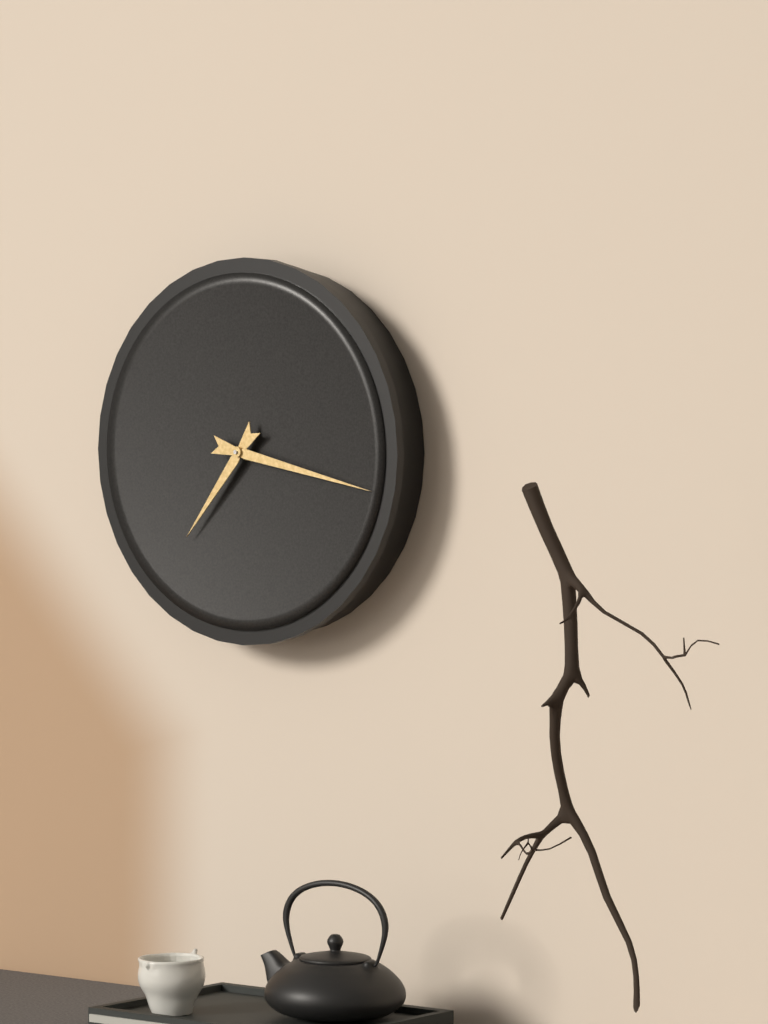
7 h 17 min
